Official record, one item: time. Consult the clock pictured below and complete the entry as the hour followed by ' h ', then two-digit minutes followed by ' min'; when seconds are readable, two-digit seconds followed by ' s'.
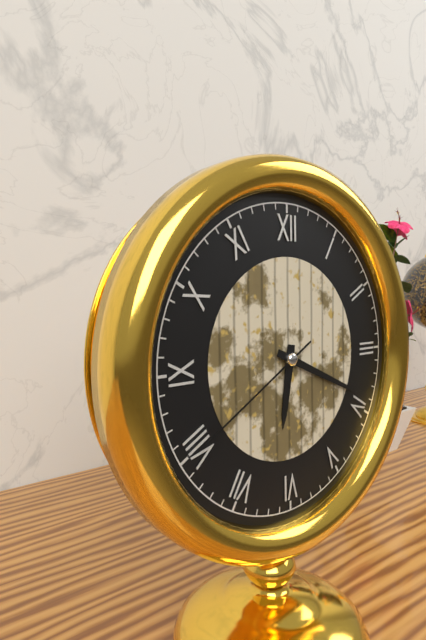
6 h 19 min 40 s
